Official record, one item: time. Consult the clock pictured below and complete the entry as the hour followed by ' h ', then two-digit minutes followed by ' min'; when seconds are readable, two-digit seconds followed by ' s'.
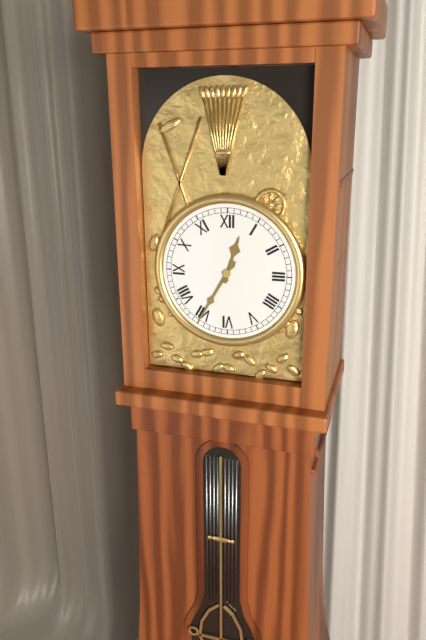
12 h 35 min
